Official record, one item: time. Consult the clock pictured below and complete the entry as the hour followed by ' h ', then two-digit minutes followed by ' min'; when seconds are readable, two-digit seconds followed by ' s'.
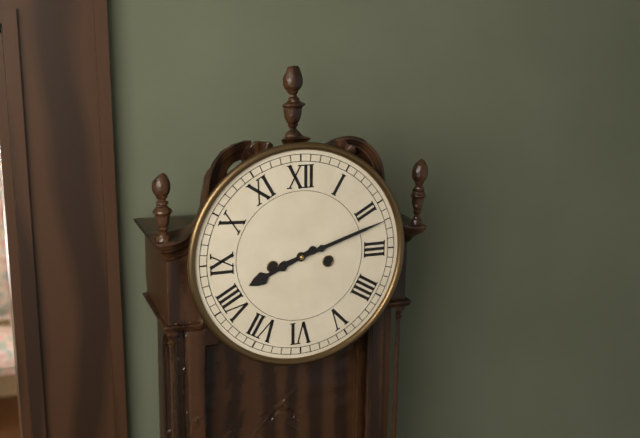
8 h 12 min
